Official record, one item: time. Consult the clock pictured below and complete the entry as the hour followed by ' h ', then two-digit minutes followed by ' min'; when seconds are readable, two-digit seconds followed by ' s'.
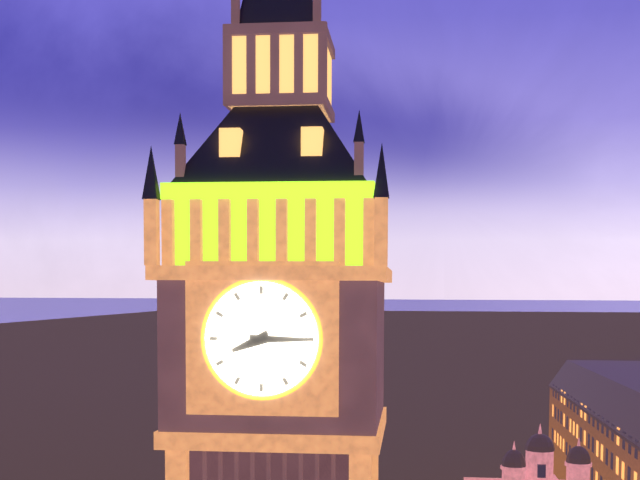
8 h 15 min
